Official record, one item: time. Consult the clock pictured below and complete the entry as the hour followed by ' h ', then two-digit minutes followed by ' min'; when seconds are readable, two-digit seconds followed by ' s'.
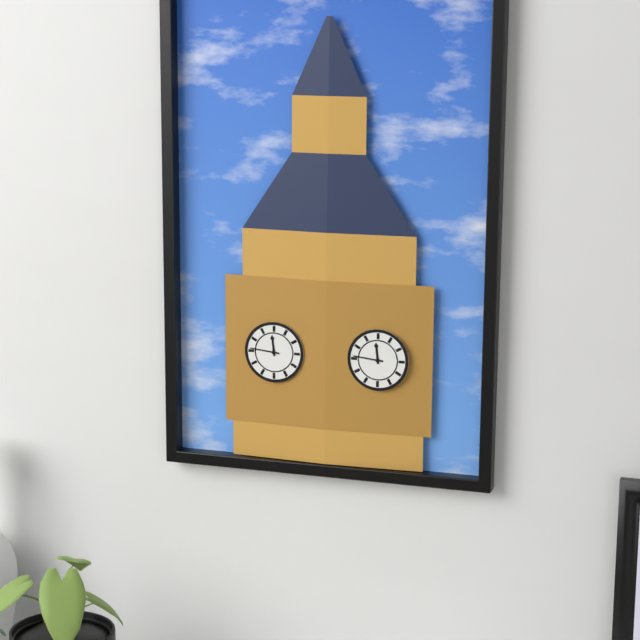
11 h 46 min
